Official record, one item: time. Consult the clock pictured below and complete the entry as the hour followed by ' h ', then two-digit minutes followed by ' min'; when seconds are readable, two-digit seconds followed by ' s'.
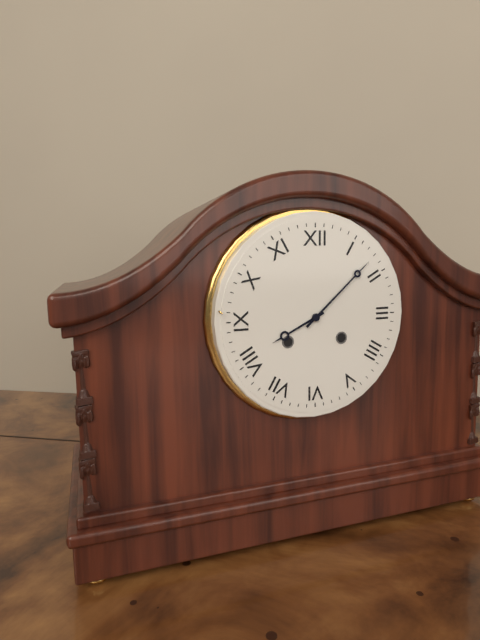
8 h 08 min
